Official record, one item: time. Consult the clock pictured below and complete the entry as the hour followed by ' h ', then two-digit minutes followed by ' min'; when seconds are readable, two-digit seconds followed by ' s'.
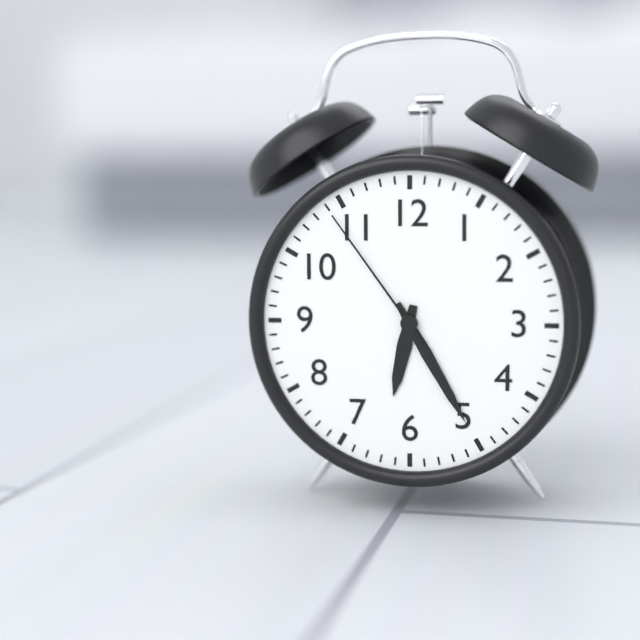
6 h 25 min 54 s
